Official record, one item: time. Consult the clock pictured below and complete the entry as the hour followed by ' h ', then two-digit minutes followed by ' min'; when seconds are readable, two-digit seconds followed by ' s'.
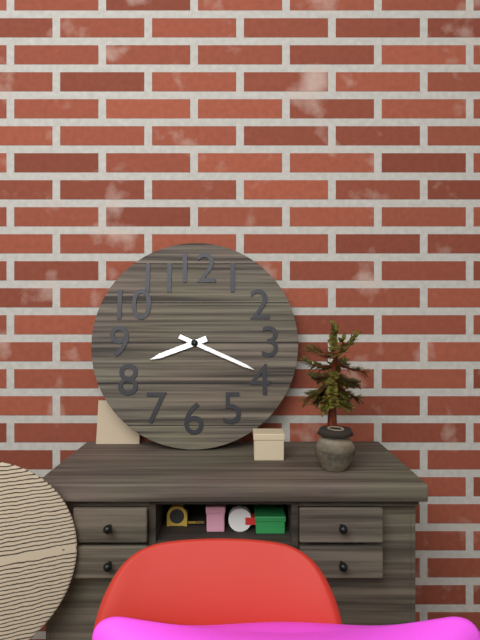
8 h 19 min
